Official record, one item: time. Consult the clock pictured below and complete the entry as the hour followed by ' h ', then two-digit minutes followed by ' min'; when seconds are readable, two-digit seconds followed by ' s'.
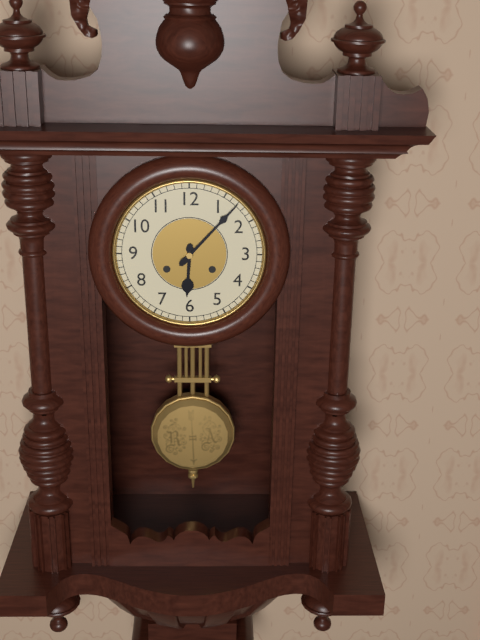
6 h 07 min
